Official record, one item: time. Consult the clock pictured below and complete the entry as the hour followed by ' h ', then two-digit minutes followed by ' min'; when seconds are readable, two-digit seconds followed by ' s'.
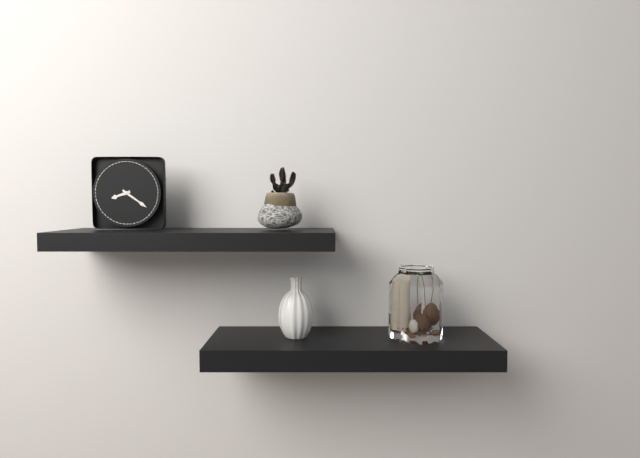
8 h 21 min
